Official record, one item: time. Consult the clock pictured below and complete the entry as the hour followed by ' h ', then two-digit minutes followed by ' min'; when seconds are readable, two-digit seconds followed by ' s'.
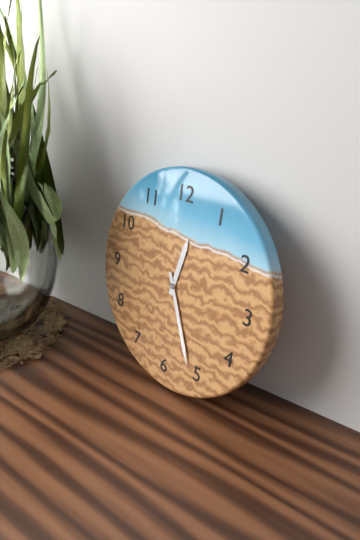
12 h 26 min
